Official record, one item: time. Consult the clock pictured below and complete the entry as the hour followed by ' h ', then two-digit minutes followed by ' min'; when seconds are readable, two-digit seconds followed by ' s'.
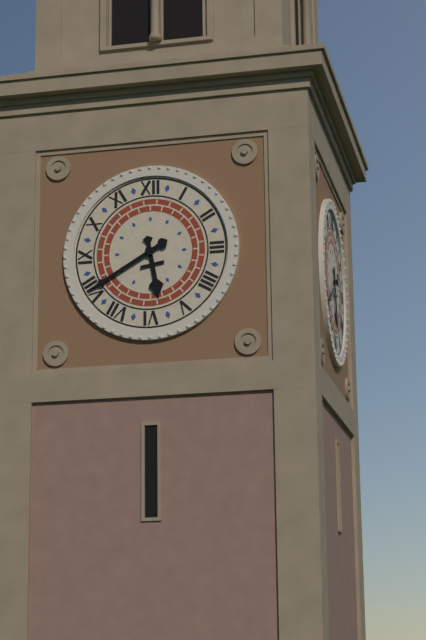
5 h 40 min
